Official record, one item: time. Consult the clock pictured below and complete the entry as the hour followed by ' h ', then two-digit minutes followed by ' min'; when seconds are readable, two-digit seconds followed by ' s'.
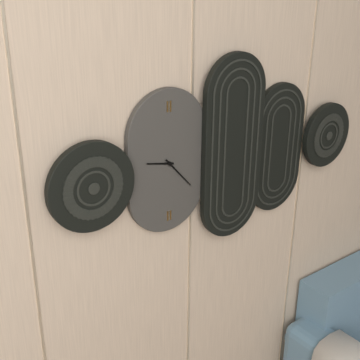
9 h 23 min
